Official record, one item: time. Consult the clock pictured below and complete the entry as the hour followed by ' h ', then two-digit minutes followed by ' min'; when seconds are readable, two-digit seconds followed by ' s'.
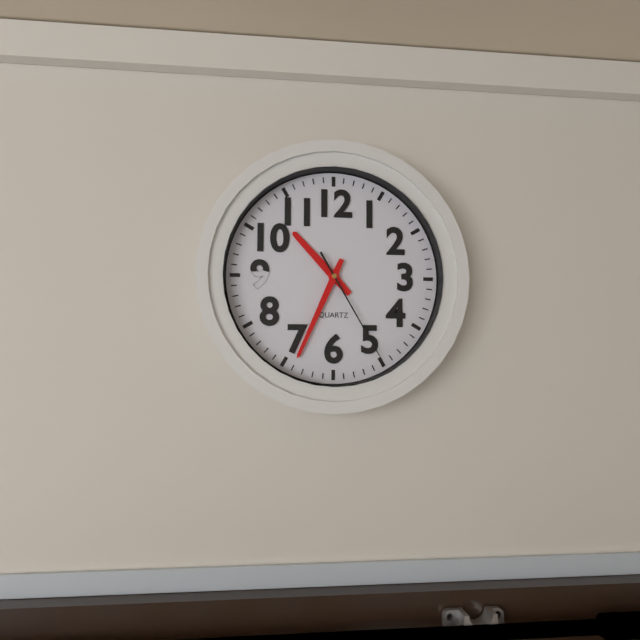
10 h 34 min 25 s
